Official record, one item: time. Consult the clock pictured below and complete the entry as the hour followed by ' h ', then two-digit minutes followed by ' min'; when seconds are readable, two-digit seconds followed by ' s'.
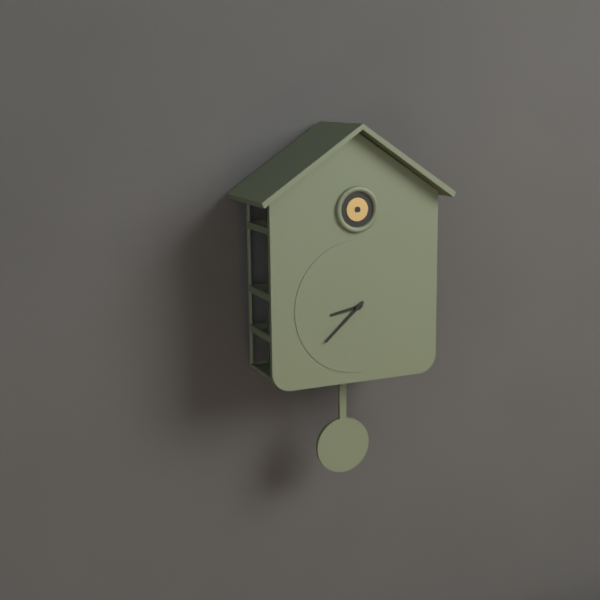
8 h 38 min
